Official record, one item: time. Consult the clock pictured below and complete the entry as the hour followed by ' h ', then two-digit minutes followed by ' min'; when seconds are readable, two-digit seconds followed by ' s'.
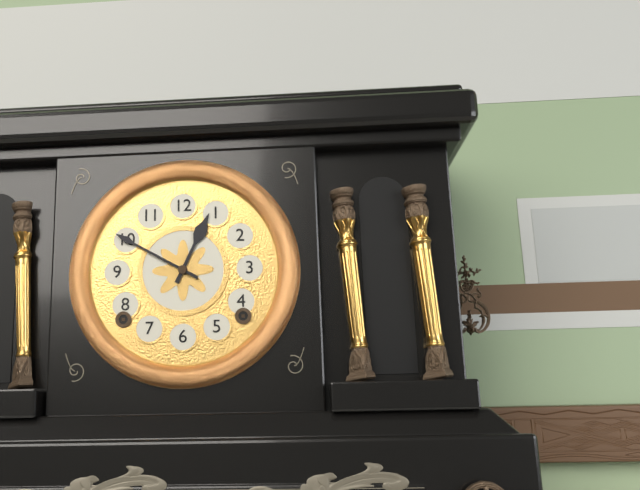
12 h 50 min
